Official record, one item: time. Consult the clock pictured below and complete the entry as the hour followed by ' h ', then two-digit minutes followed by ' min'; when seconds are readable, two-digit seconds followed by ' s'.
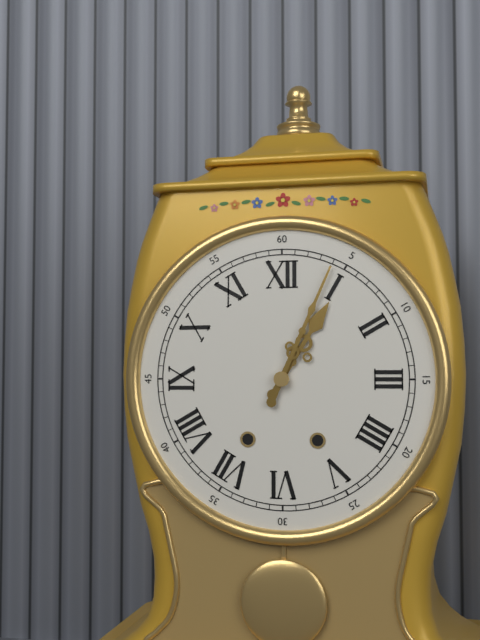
1 h 04 min
